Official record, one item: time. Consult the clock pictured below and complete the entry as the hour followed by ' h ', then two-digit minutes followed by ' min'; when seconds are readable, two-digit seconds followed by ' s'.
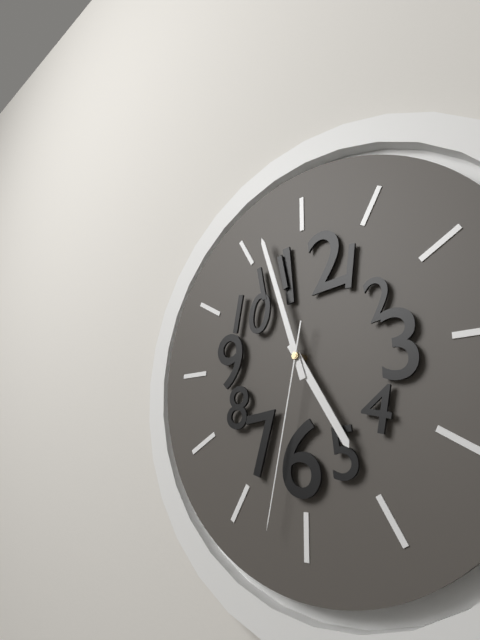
4 h 57 min 32 s
